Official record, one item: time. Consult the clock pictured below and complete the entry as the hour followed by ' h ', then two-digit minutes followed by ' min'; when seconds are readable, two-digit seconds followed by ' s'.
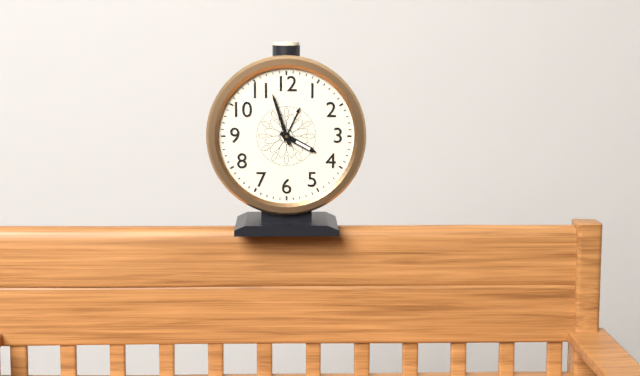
3 h 57 min
